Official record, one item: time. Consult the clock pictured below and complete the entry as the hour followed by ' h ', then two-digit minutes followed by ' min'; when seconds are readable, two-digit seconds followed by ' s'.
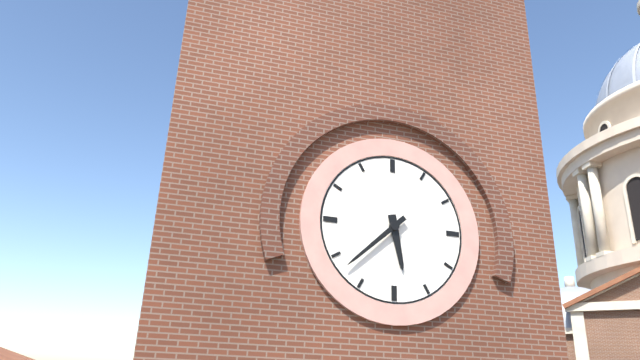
5 h 38 min
